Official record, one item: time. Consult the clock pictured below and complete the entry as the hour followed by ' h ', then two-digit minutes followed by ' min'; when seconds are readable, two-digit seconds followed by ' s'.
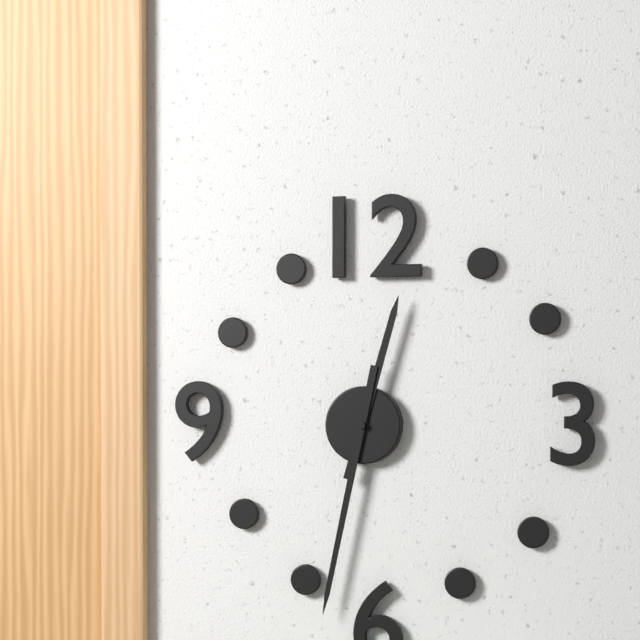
12 h 32 min
